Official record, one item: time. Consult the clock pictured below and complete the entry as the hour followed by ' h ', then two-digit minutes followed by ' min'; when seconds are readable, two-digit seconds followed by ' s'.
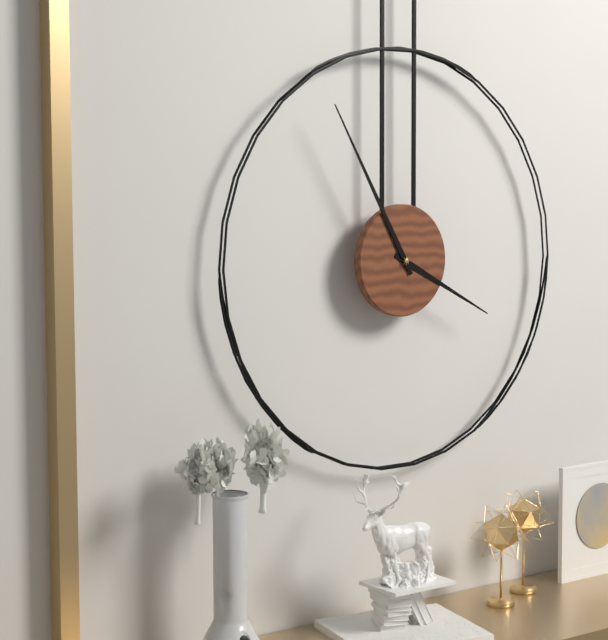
3 h 55 min
